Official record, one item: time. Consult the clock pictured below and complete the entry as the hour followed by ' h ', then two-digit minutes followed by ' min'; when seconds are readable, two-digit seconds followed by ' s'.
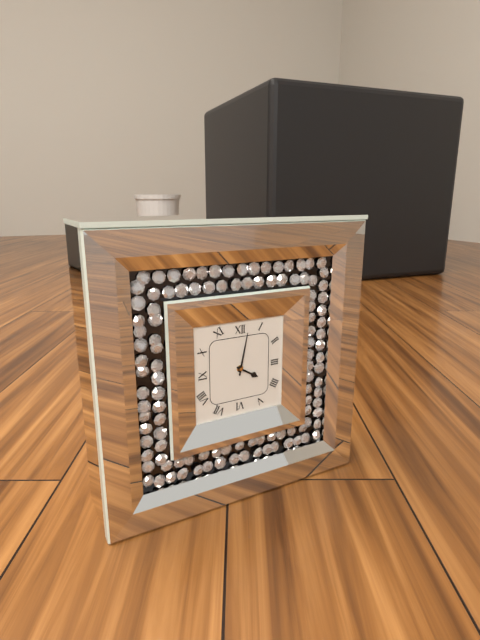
4 h 02 min
